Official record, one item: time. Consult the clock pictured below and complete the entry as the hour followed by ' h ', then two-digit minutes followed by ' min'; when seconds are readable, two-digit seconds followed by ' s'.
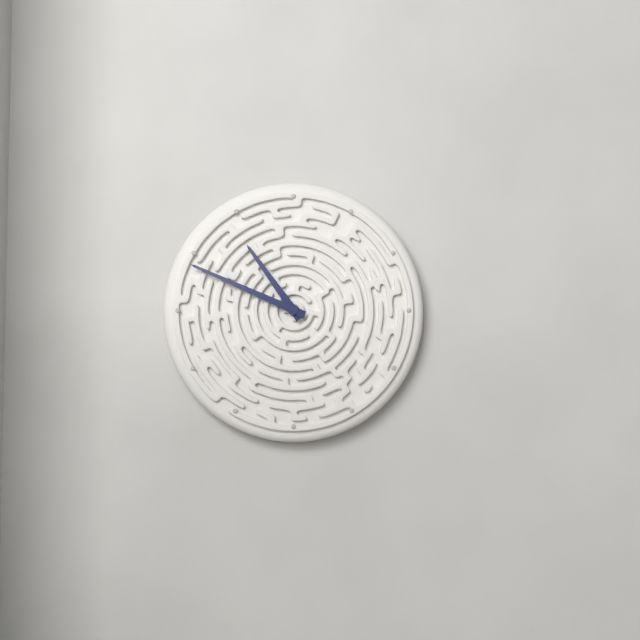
10 h 49 min
